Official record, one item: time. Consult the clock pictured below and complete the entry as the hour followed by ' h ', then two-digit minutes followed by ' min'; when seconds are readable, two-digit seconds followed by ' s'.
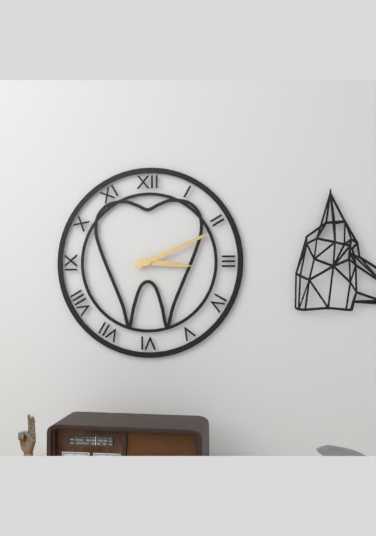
3 h 11 min
